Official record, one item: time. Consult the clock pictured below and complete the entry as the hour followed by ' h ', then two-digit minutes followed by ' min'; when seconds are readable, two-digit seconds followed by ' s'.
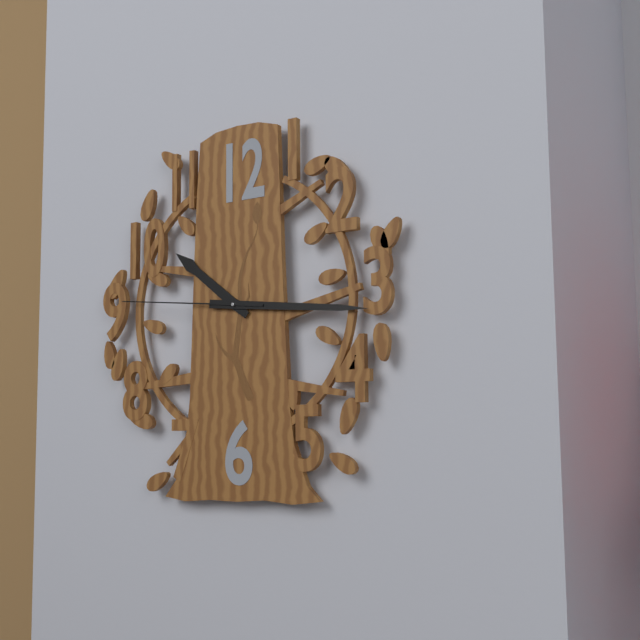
10 h 16 min 46 s
